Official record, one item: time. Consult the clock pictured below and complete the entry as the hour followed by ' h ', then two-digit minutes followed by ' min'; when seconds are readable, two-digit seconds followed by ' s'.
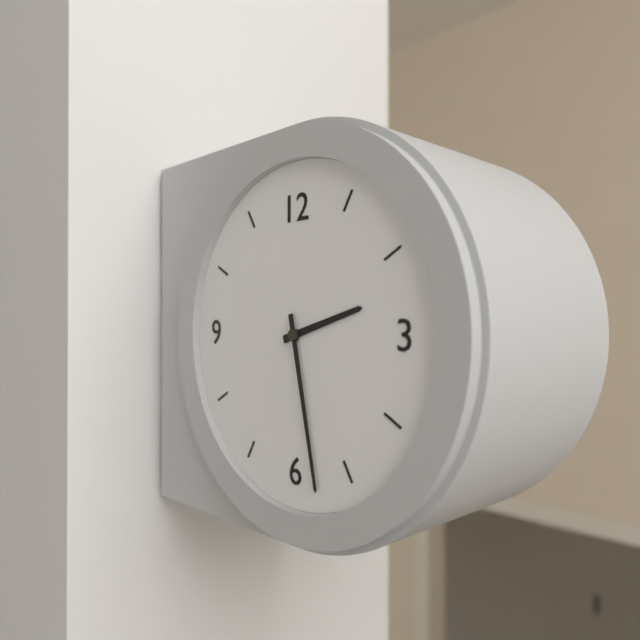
2 h 28 min
